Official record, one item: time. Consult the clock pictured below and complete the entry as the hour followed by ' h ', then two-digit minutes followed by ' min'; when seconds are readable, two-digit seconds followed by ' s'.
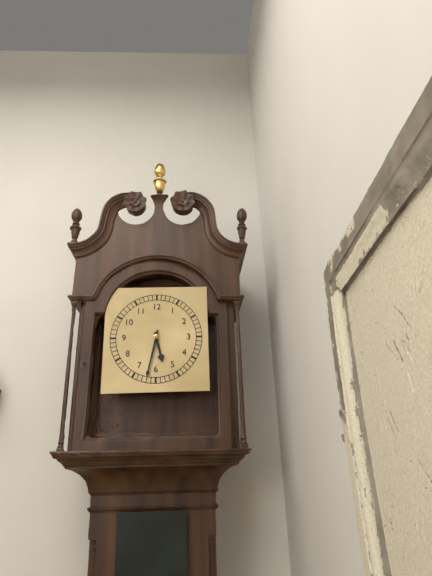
5 h 32 min
